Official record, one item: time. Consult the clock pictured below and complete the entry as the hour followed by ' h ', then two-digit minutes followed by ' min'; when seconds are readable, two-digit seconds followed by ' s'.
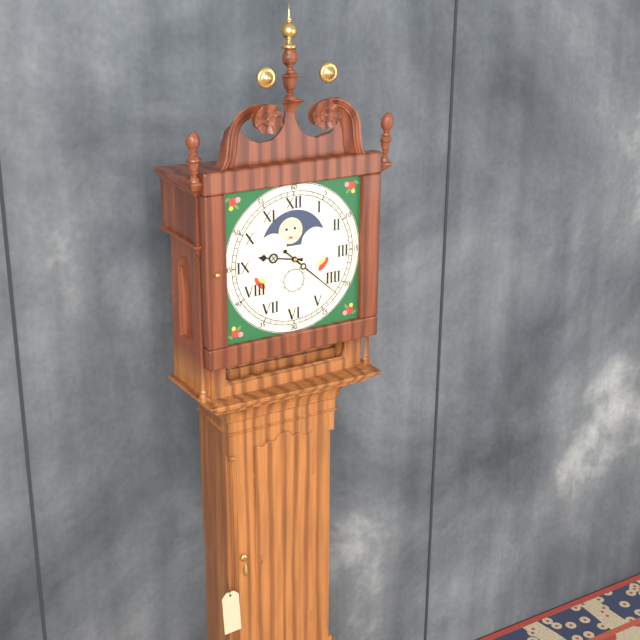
9 h 22 min
